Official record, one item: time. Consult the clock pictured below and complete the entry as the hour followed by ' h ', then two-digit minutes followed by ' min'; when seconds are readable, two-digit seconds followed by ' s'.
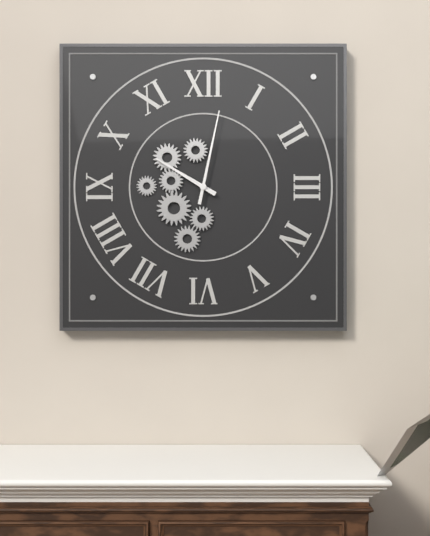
10 h 02 min
